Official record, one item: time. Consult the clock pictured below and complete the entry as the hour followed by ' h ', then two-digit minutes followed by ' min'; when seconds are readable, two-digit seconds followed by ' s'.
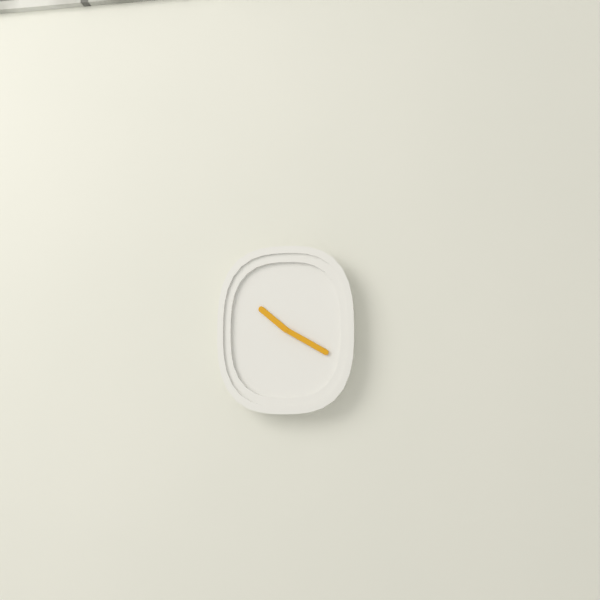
10 h 20 min
